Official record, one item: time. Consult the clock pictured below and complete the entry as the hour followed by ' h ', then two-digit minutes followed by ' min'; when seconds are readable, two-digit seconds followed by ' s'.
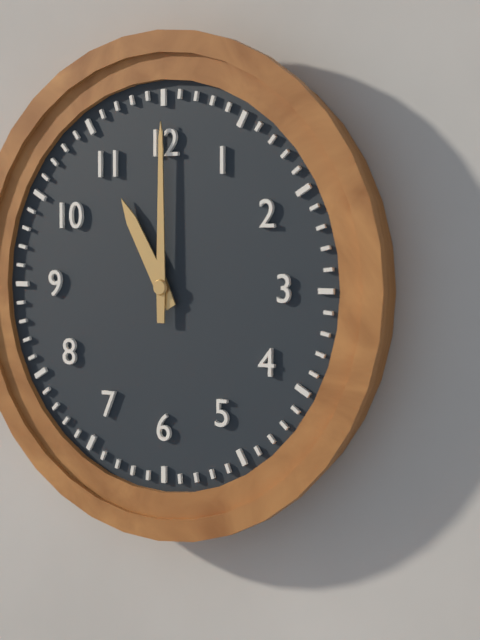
11 h 00 min
